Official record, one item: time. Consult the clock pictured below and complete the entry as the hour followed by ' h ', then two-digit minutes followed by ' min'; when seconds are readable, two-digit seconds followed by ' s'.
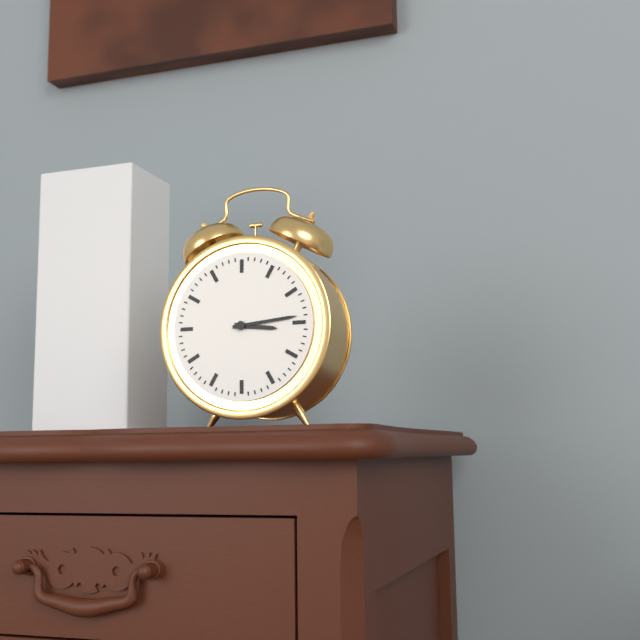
3 h 14 min
